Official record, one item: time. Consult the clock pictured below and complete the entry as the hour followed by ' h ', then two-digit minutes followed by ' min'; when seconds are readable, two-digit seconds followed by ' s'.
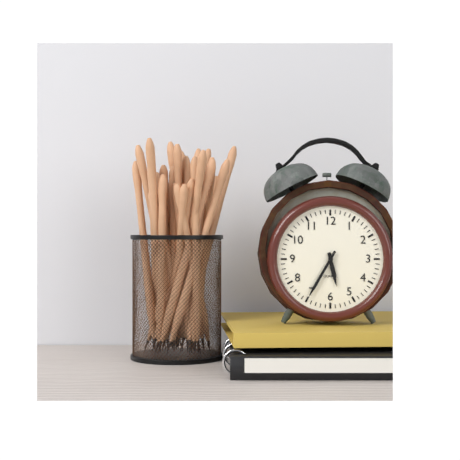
5 h 35 min
